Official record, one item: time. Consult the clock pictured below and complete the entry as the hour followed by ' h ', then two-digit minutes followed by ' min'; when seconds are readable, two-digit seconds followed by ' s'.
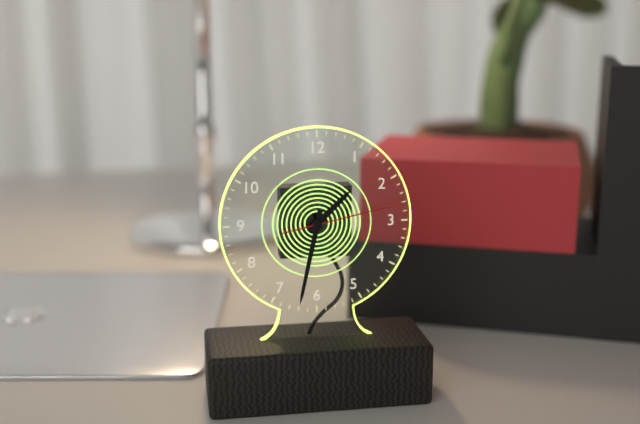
1 h 32 min 13 s
